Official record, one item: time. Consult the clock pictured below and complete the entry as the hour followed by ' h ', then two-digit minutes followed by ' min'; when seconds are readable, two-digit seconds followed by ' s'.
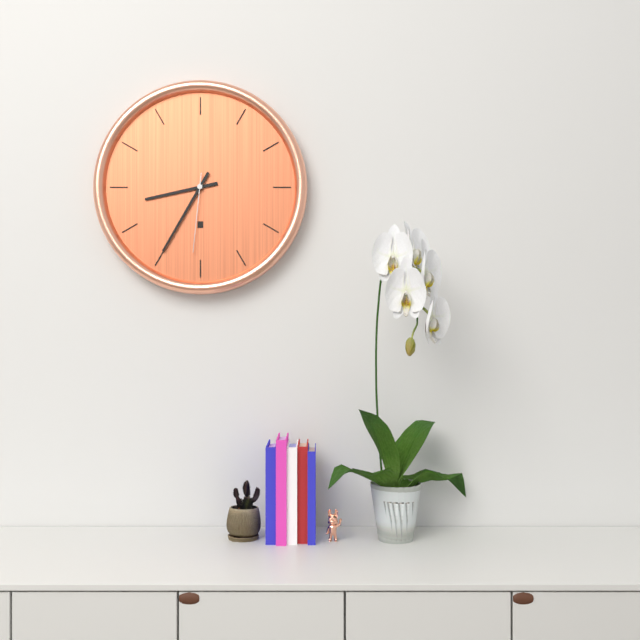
8 h 35 min 31 s
